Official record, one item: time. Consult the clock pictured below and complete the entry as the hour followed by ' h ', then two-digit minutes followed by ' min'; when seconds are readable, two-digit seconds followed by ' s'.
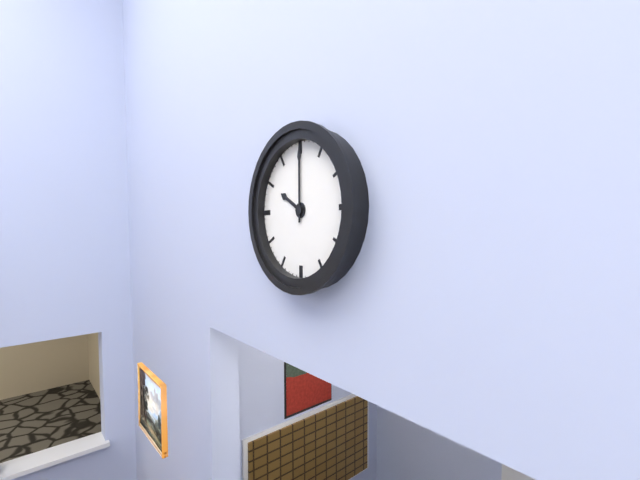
10 h 00 min
